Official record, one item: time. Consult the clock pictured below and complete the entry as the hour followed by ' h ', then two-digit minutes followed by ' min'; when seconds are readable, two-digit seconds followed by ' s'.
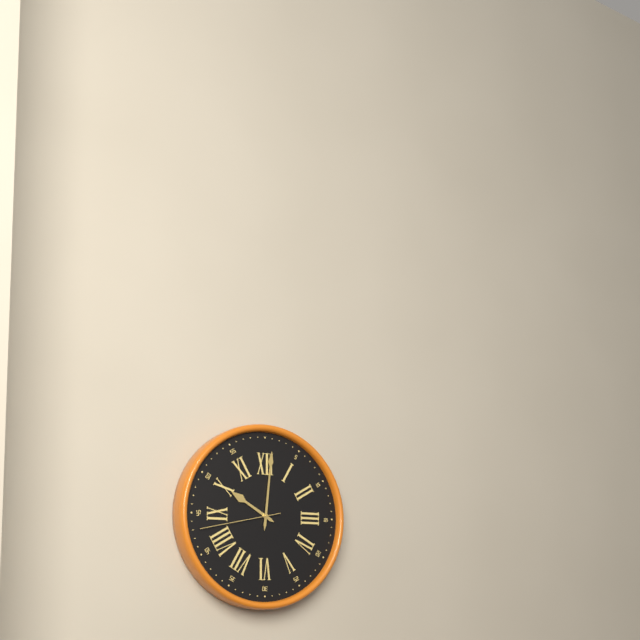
10 h 01 min 43 s
